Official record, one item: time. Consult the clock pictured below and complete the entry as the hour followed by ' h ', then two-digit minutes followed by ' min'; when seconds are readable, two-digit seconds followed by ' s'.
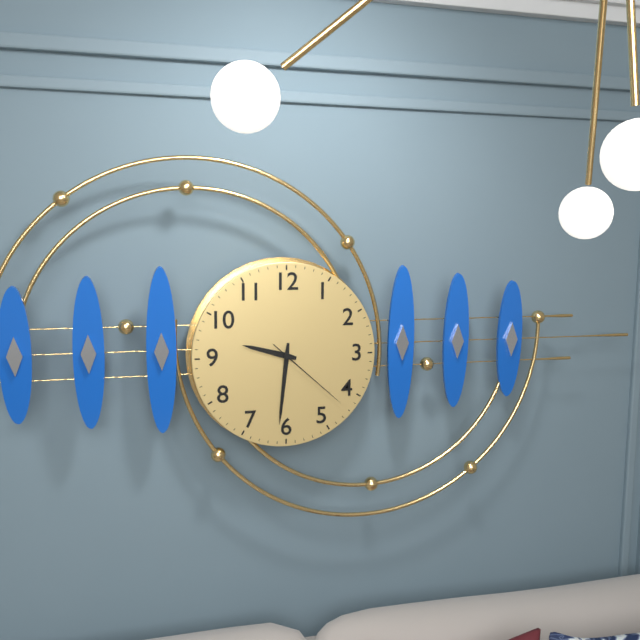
9 h 31 min 22 s
